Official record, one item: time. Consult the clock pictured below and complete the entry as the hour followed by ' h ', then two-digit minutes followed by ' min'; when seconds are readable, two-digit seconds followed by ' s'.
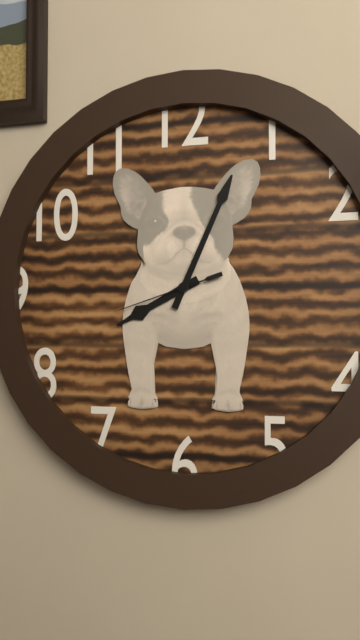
8 h 04 min 42 s
